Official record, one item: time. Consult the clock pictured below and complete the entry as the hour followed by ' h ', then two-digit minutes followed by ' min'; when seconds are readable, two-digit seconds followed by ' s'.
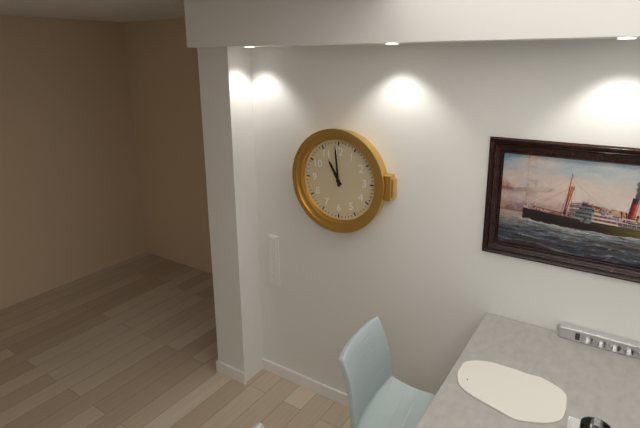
10 h 59 min
